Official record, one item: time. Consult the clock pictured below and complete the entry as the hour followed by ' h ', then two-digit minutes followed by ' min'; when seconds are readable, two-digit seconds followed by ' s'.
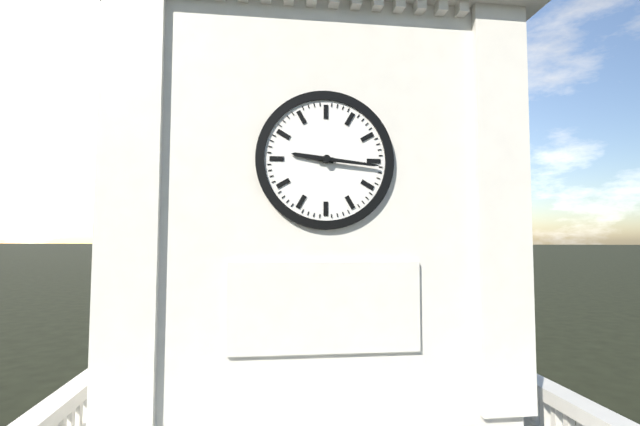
9 h 16 min
